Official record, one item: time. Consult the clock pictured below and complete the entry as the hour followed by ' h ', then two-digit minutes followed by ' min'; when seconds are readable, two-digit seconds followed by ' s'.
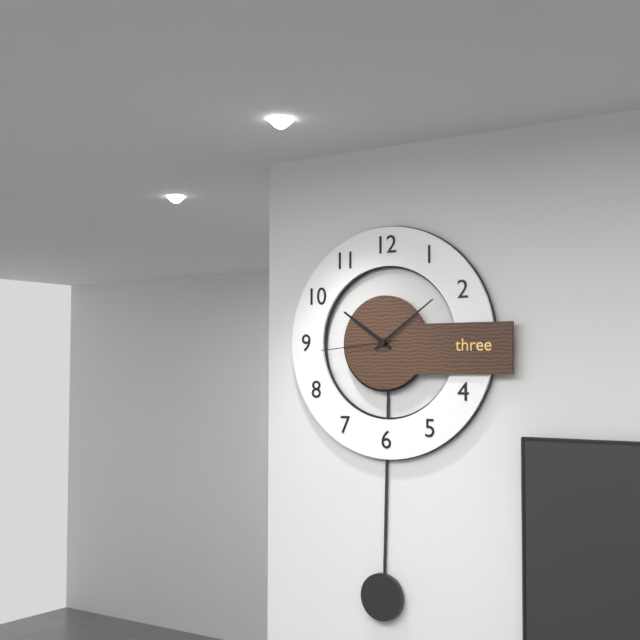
10 h 09 min 44 s
